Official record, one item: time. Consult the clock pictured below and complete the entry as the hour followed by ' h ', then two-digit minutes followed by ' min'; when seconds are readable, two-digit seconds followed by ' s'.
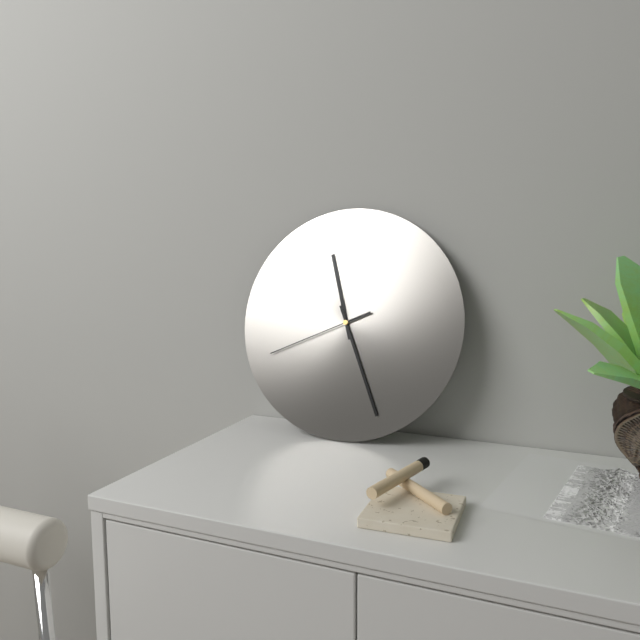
11 h 26 min 41 s
